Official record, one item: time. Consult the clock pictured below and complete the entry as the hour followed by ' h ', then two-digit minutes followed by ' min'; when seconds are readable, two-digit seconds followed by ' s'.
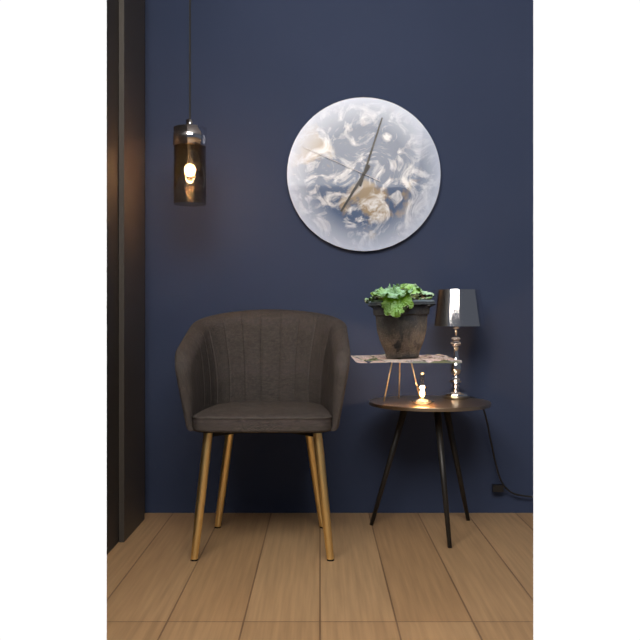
7 h 03 min 49 s
